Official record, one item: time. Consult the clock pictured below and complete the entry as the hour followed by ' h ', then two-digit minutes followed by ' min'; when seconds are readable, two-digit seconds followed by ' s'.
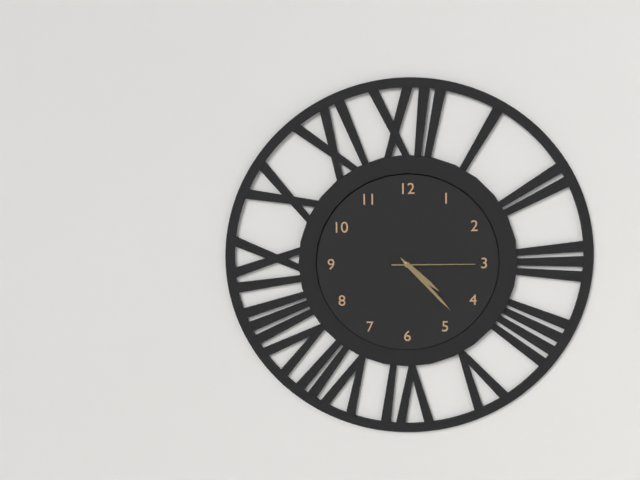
4 h 23 min 15 s
